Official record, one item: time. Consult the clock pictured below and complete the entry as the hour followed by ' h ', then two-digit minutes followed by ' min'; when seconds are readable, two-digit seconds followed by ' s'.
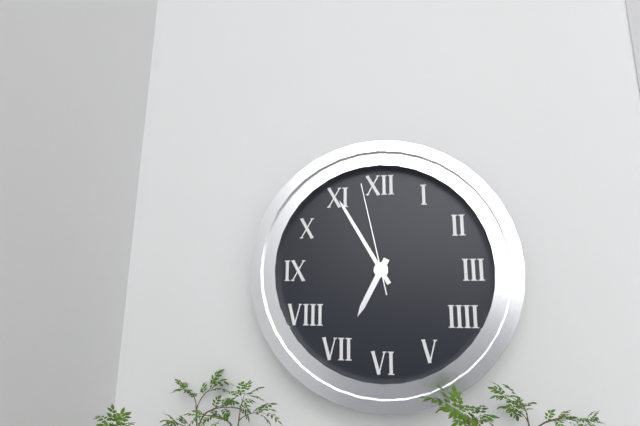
6 h 55 min 58 s
